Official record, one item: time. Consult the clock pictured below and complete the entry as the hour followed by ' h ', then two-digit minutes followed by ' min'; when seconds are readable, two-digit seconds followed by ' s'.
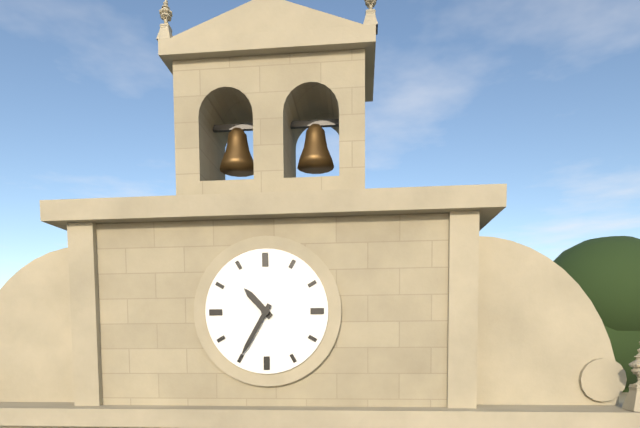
10 h 35 min
